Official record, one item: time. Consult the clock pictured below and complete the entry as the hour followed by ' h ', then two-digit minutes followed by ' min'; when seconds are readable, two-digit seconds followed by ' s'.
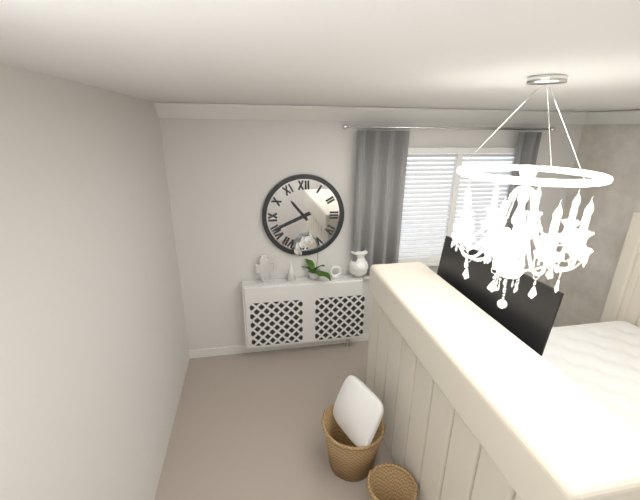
10 h 41 min
